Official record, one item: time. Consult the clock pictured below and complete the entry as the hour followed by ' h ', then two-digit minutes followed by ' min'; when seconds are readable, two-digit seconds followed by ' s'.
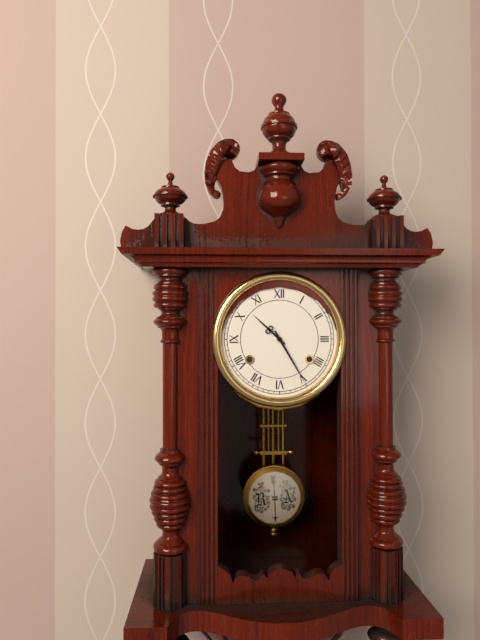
10 h 25 min
